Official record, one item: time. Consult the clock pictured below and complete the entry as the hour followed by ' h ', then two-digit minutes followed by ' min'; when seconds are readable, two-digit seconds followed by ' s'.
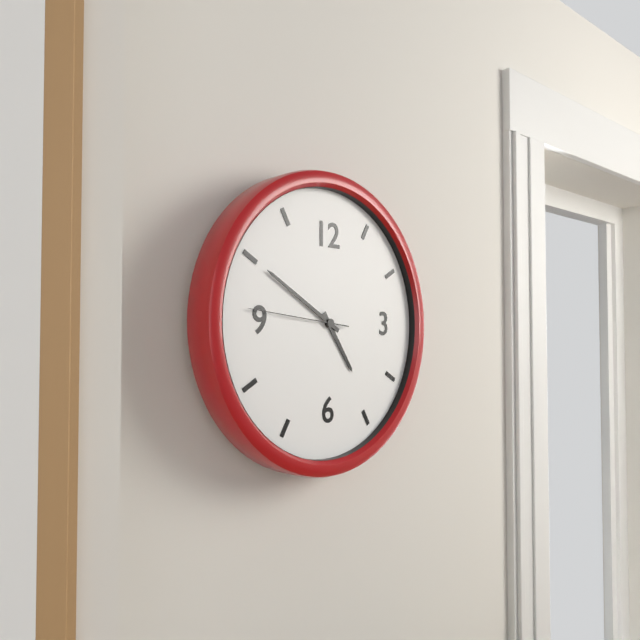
4 h 50 min 46 s
